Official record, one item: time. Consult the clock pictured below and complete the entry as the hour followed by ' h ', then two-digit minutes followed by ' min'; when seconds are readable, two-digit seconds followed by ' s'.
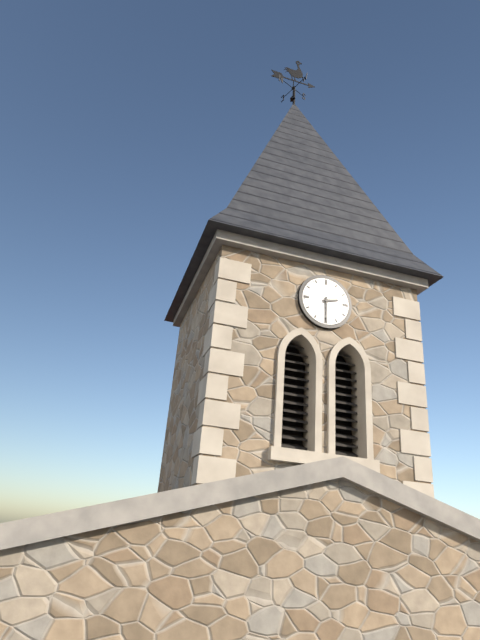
2 h 30 min
